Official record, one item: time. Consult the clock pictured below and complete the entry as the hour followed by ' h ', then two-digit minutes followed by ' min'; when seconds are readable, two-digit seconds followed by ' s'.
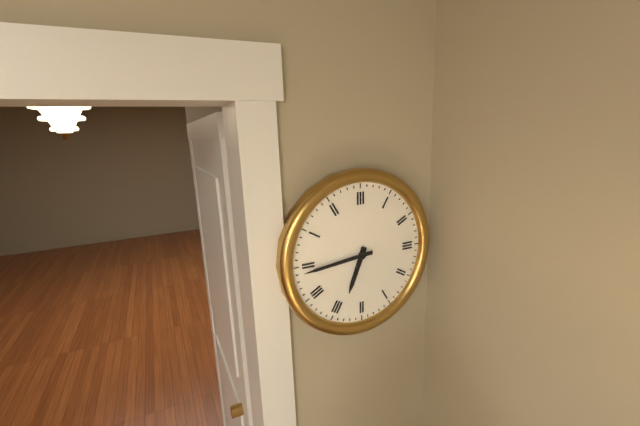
6 h 44 min
